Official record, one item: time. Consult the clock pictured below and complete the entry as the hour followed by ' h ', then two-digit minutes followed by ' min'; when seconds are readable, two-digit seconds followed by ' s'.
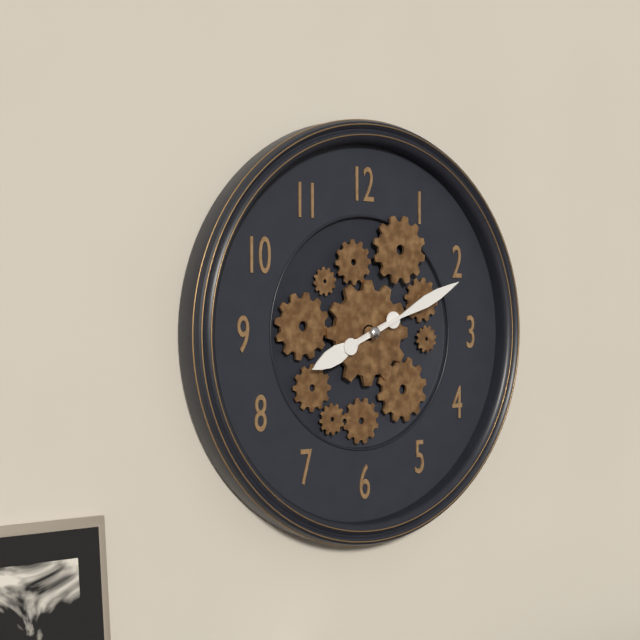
8 h 11 min
